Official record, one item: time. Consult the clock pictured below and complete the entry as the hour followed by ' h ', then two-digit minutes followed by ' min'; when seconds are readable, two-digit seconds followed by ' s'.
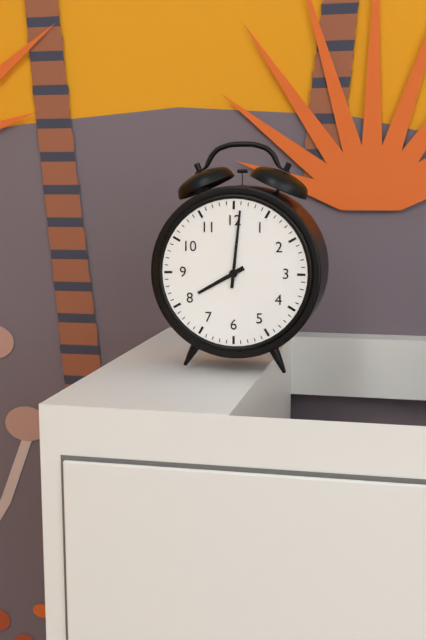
8 h 01 min
